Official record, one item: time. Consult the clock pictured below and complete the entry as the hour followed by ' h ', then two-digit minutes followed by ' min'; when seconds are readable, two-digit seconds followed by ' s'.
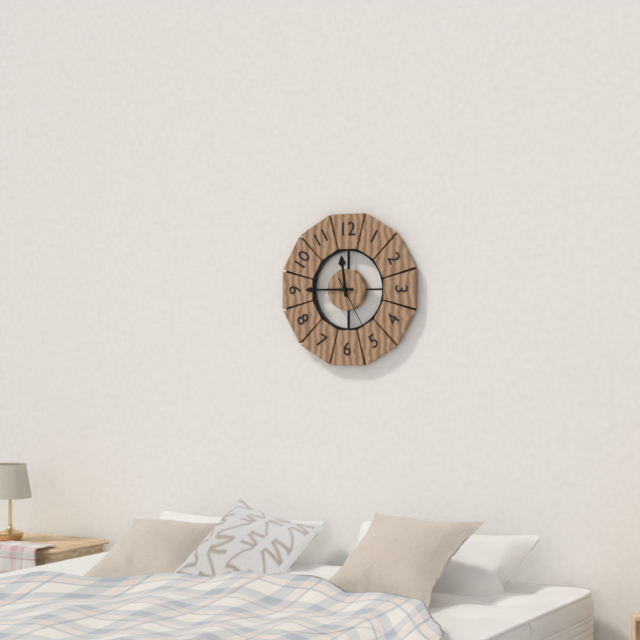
11 h 45 min 25 s
